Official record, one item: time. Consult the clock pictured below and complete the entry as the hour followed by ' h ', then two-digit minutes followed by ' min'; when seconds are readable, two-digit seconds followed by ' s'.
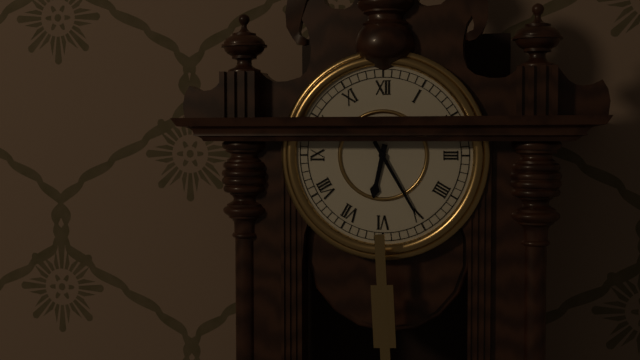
6 h 25 min
